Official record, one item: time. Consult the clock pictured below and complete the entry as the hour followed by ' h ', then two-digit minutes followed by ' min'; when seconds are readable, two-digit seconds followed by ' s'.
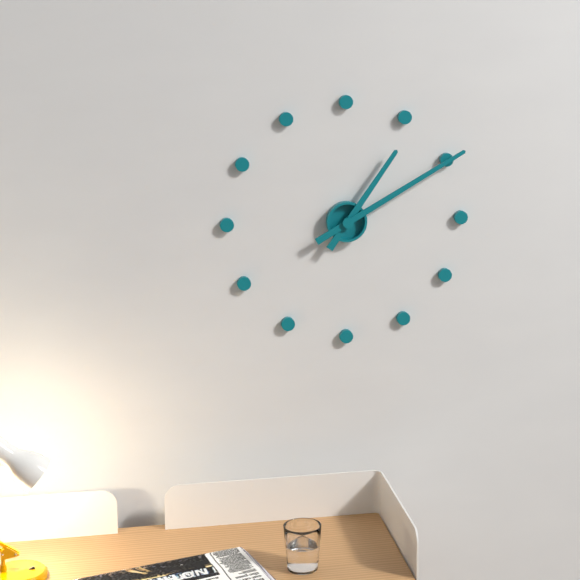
1 h 10 min
